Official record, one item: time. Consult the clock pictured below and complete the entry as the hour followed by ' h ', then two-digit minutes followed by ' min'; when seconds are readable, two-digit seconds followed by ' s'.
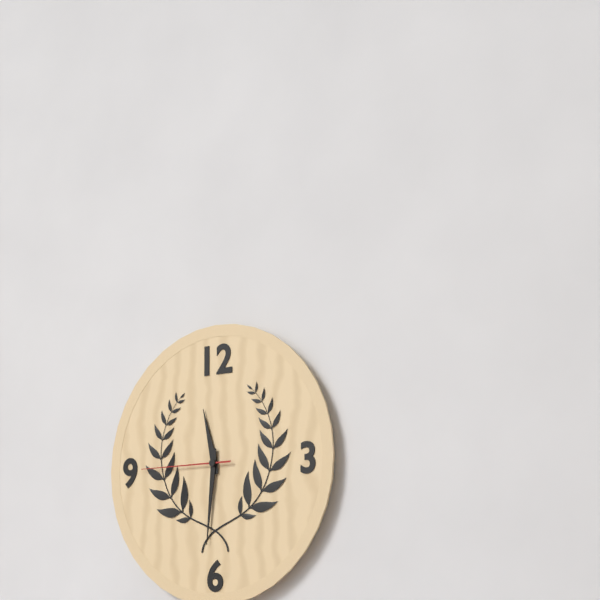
11 h 31 min 45 s
